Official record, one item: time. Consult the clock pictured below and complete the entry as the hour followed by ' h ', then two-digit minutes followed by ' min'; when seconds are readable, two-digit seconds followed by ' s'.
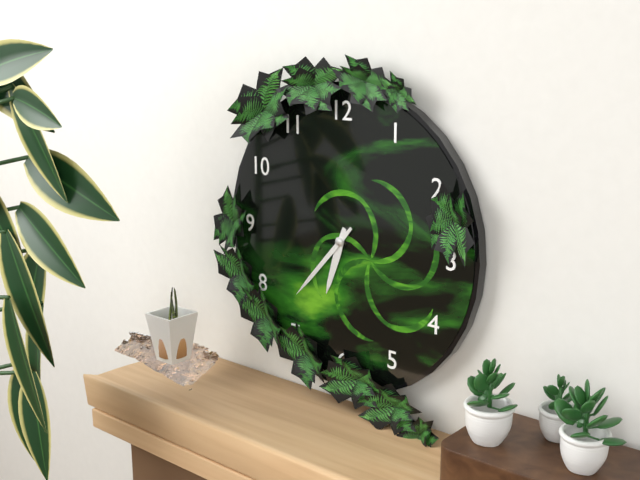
6 h 37 min
